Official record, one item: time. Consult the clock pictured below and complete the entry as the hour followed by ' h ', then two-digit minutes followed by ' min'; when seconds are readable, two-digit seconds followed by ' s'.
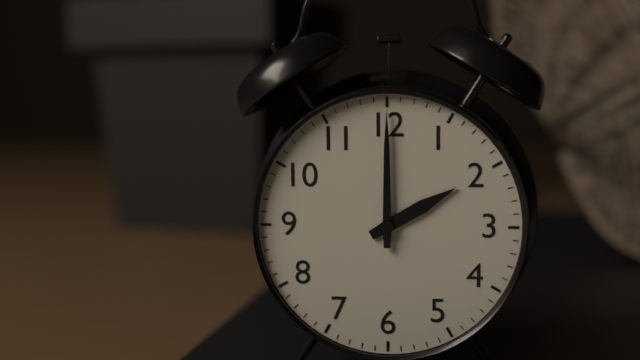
2 h 00 min
